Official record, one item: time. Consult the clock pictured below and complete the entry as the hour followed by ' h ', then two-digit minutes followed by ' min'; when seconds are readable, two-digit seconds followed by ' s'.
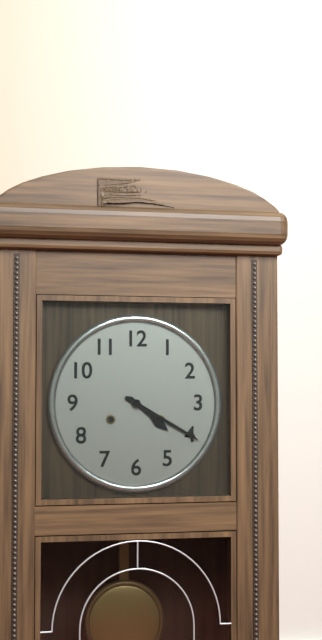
4 h 20 min
